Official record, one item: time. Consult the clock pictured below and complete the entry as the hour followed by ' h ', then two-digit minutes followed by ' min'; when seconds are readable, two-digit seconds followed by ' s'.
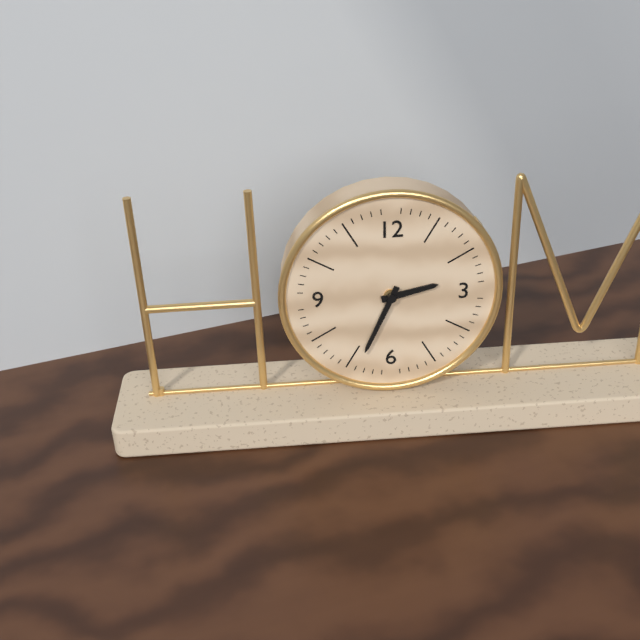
2 h 34 min
